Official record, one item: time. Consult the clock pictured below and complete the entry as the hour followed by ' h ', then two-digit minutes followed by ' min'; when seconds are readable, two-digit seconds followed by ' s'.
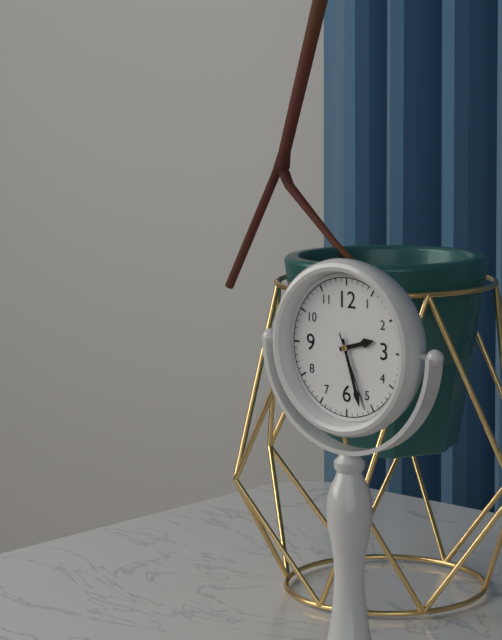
2 h 27 min 26 s
